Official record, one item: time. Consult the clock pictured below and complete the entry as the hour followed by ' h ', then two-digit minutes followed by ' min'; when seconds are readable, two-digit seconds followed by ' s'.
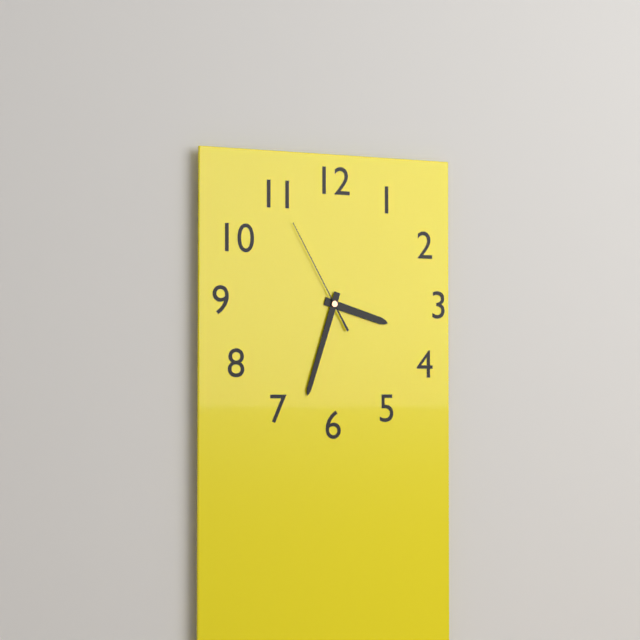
3 h 33 min 55 s
